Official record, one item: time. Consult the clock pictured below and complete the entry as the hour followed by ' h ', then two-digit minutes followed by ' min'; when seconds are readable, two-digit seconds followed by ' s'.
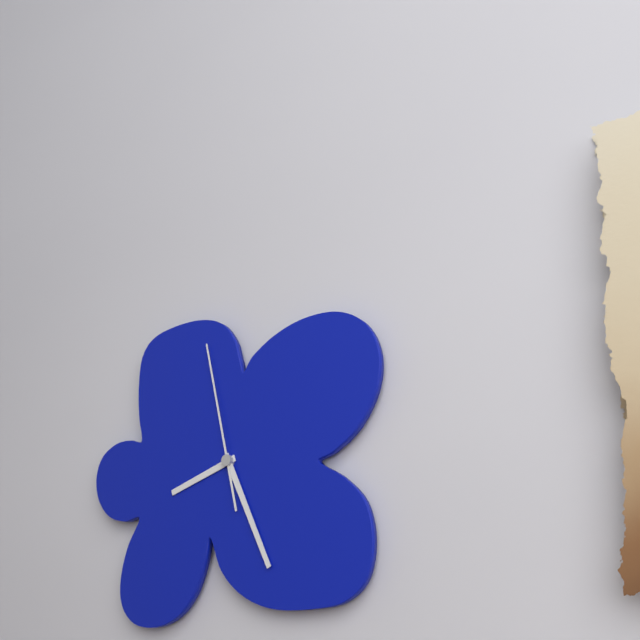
8 h 26 min 58 s
